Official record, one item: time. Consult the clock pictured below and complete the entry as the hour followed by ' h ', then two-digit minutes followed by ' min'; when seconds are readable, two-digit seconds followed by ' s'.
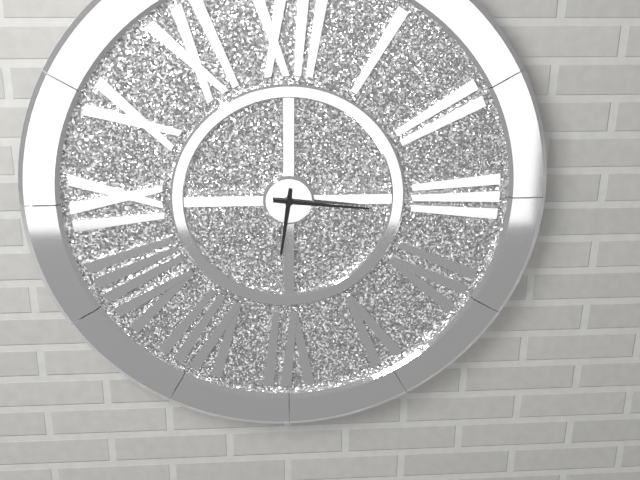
6 h 16 min
